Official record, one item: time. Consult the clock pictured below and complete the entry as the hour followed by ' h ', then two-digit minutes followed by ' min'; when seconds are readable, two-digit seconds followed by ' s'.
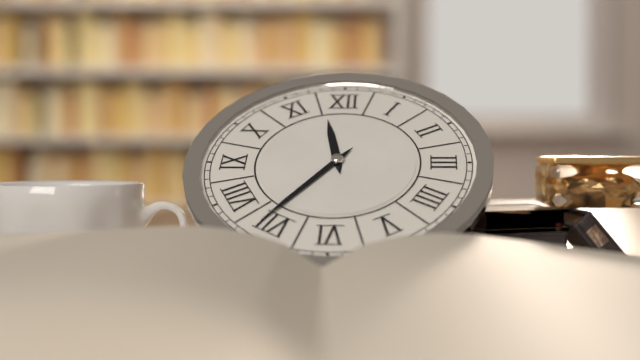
11 h 36 min
